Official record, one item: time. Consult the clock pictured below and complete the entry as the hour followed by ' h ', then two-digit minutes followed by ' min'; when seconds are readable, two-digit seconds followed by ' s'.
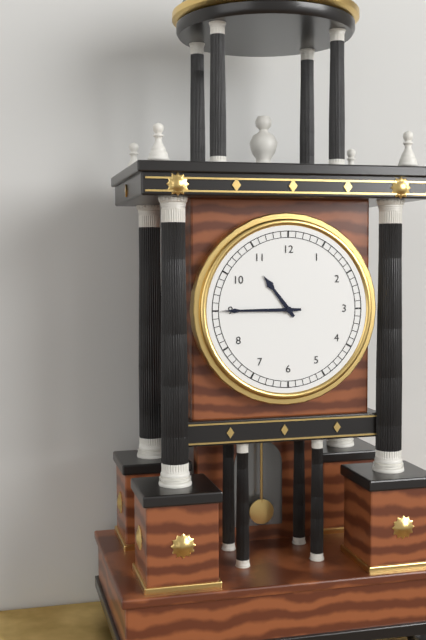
10 h 45 min
